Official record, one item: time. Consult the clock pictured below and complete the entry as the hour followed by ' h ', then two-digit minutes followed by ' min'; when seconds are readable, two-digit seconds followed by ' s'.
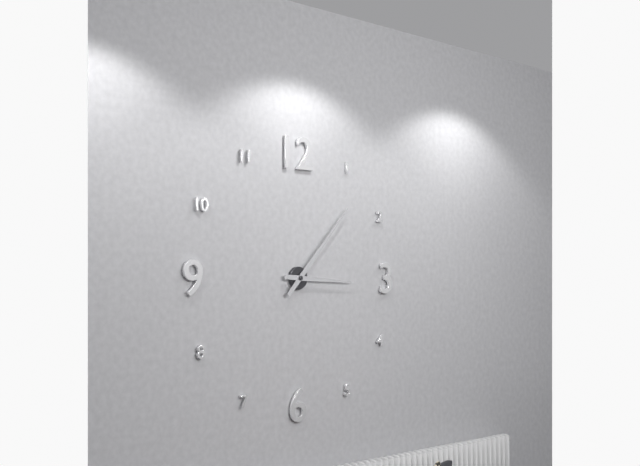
3 h 07 min
